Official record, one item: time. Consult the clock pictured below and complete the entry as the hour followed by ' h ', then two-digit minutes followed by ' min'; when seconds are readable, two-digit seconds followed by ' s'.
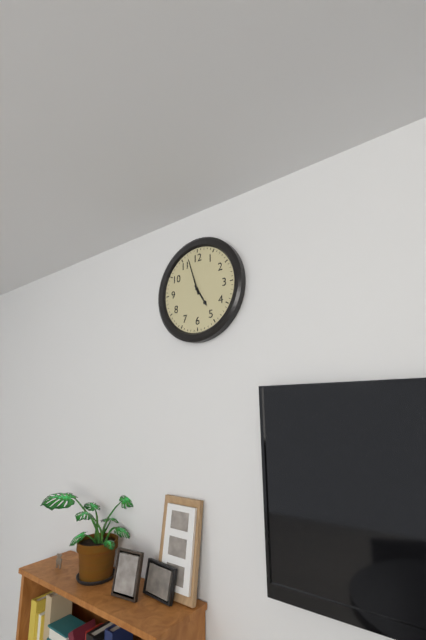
4 h 57 min
